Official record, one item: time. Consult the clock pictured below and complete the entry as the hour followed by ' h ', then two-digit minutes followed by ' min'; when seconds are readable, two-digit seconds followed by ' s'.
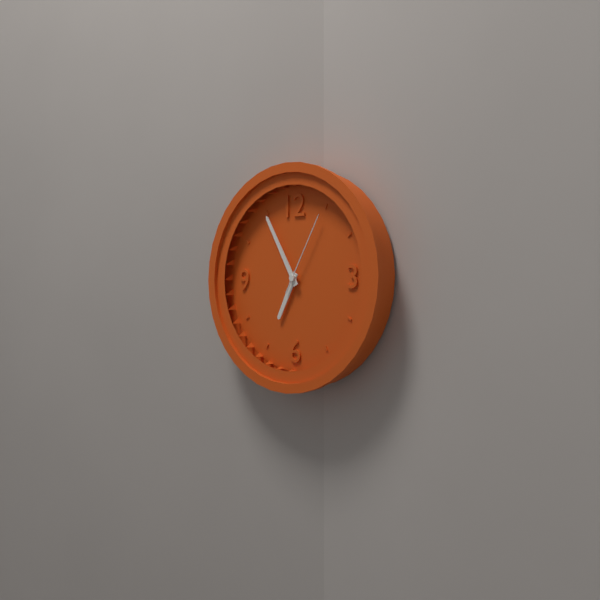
6 h 55 min 05 s
